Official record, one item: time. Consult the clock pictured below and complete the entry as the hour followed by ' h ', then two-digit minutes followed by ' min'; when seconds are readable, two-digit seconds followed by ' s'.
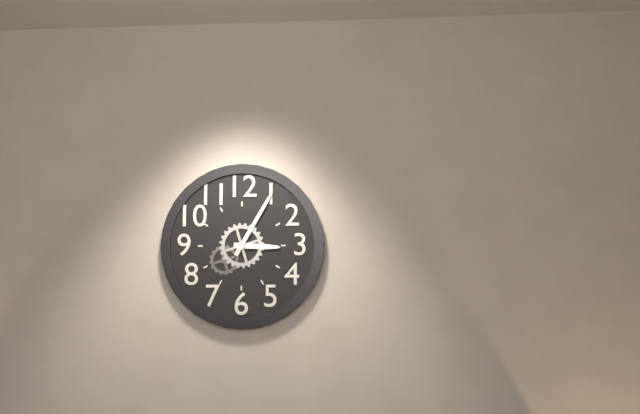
3 h 05 min
